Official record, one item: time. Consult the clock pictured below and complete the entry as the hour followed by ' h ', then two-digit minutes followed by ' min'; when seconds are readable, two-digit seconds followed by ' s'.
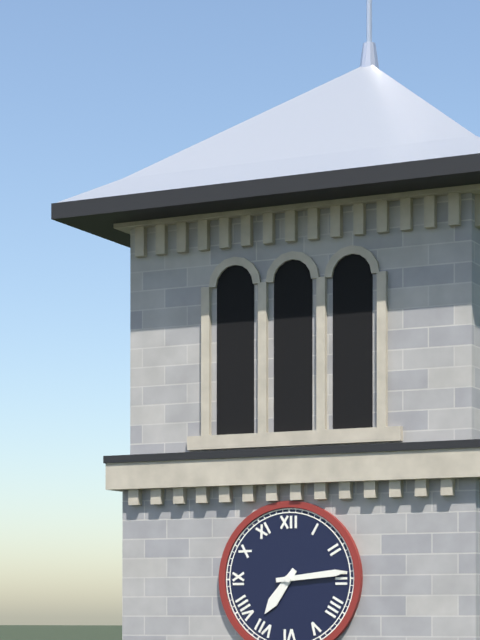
7 h 14 min
